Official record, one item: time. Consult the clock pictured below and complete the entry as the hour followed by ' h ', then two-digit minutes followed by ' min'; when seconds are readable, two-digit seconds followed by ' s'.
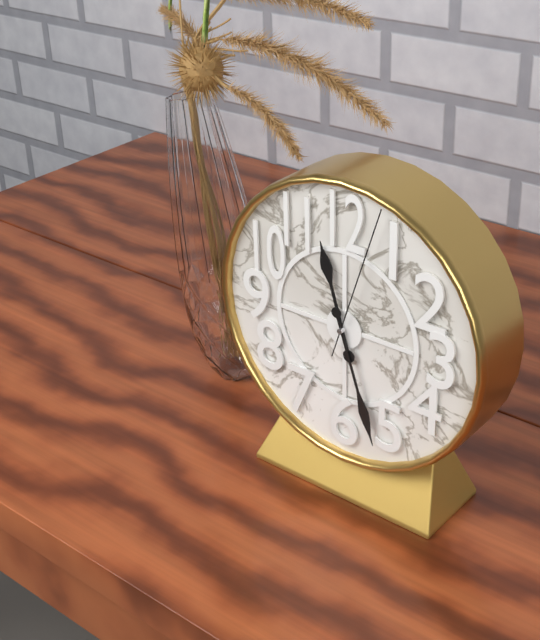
11 h 27 min 03 s
